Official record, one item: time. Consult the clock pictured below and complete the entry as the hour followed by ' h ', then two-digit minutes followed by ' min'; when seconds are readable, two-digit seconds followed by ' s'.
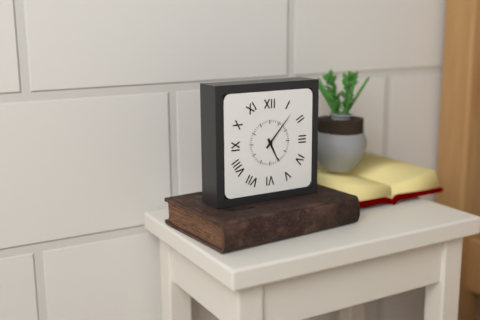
5 h 07 min
